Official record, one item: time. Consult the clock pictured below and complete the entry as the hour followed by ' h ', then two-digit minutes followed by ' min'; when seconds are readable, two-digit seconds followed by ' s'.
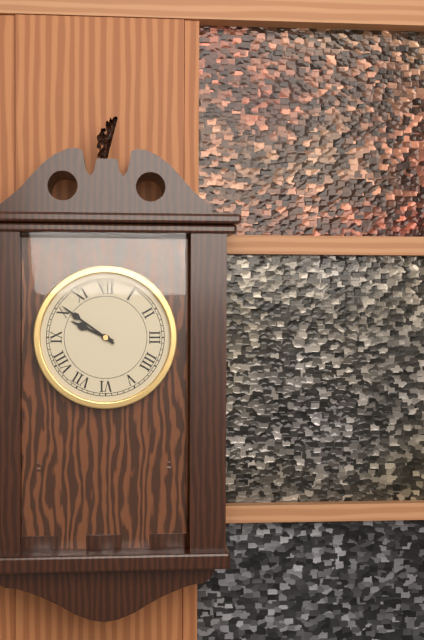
9 h 51 min
